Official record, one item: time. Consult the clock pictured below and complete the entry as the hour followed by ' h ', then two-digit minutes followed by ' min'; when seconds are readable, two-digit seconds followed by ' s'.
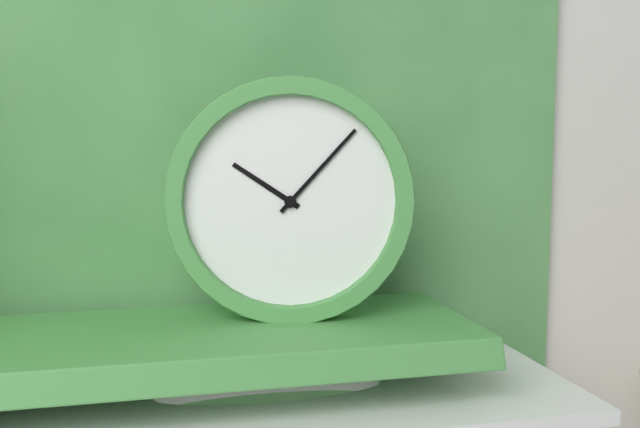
10 h 07 min
